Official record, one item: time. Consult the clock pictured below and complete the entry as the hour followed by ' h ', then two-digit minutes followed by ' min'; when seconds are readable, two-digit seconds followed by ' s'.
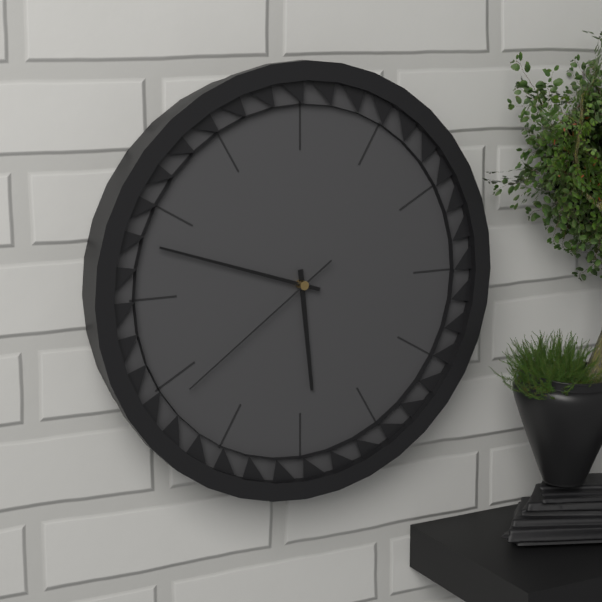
5 h 48 min 39 s
